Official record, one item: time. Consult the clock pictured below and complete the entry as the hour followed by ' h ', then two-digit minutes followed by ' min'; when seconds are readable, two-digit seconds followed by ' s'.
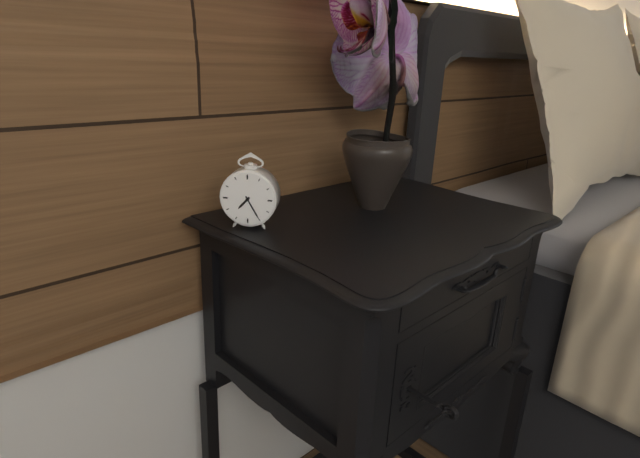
7 h 25 min
